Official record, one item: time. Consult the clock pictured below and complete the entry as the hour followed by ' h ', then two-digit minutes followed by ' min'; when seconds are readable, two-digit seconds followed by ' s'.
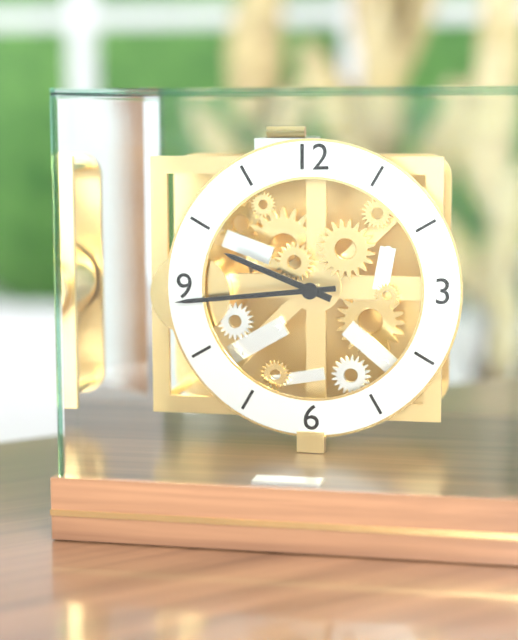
9 h 44 min
